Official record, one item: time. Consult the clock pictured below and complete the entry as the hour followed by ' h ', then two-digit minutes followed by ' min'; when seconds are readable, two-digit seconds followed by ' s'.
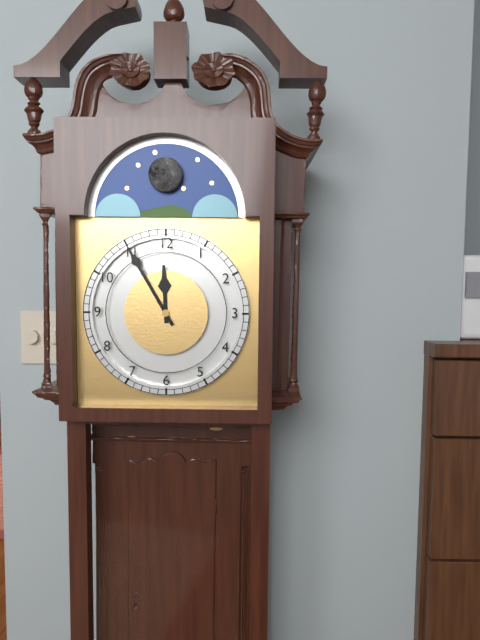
11 h 55 min
